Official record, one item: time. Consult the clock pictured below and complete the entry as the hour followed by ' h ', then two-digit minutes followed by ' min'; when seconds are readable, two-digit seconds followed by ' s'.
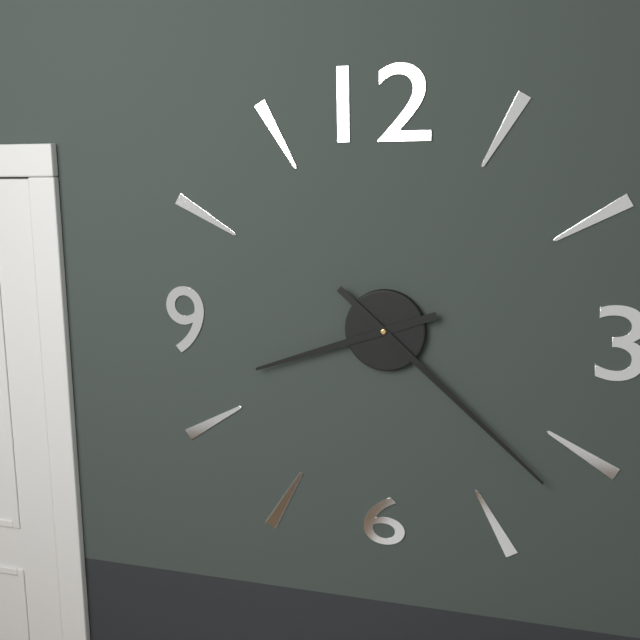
8 h 22 min
